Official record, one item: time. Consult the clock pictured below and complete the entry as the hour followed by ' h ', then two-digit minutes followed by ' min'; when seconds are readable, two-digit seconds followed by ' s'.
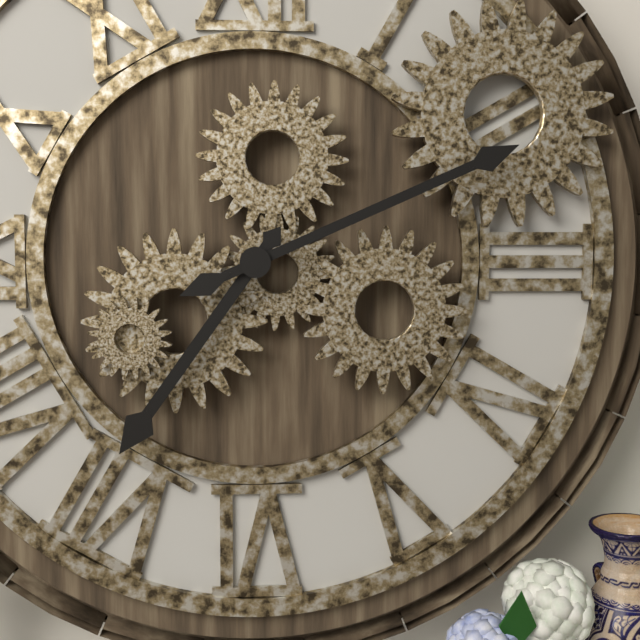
7 h 11 min
